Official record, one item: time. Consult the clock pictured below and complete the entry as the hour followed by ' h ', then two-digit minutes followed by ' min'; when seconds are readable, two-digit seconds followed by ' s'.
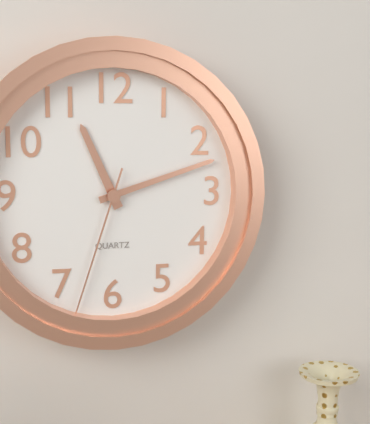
11 h 12 min 33 s
